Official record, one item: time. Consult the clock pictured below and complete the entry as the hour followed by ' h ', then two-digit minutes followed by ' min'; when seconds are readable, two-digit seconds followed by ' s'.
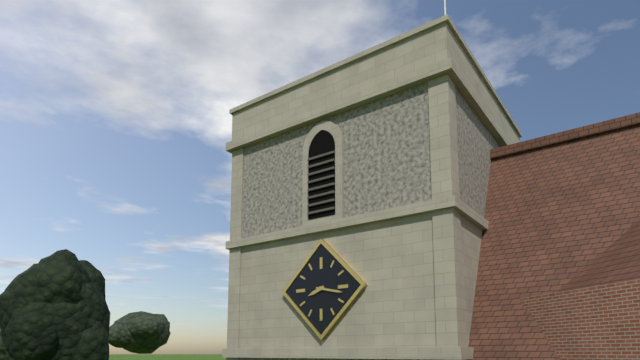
8 h 17 min
